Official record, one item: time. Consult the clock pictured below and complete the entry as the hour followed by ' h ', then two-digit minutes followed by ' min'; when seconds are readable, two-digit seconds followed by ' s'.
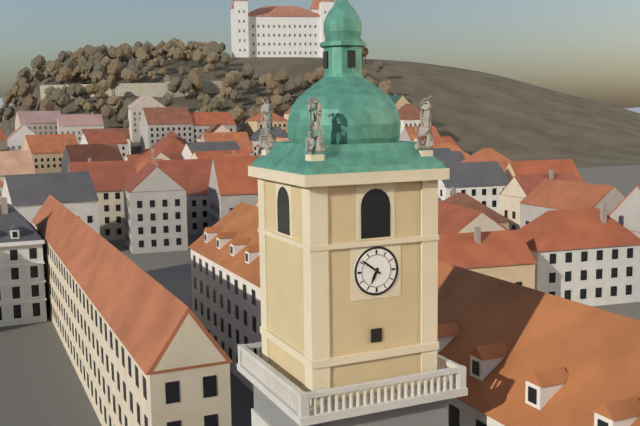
6 h 51 min
